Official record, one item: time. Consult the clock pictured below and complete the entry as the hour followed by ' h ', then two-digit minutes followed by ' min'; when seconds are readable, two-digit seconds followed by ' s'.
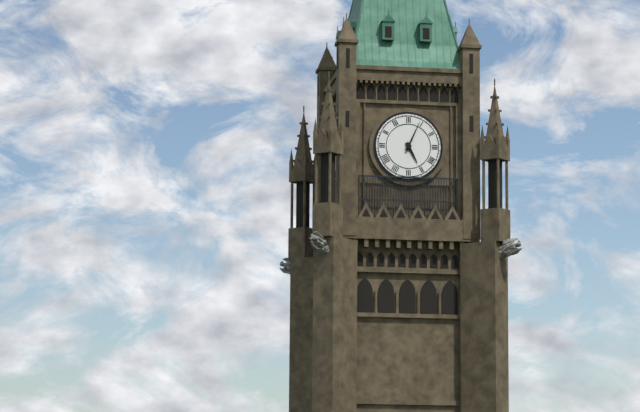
5 h 04 min
